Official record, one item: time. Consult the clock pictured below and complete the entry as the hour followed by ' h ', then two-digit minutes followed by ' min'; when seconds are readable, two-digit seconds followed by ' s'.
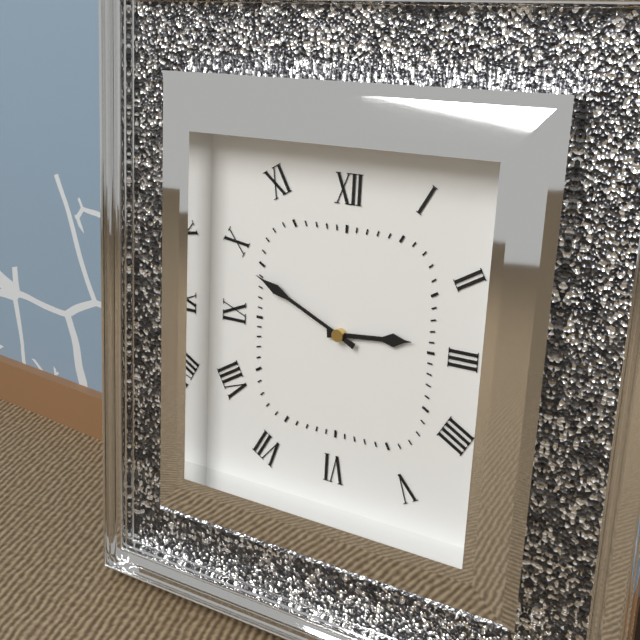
2 h 49 min
